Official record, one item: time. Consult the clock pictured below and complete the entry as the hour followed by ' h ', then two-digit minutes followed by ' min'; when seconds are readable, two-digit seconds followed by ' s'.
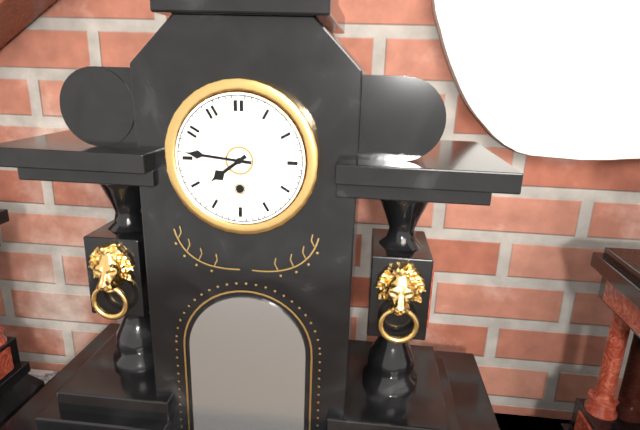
7 h 46 min
